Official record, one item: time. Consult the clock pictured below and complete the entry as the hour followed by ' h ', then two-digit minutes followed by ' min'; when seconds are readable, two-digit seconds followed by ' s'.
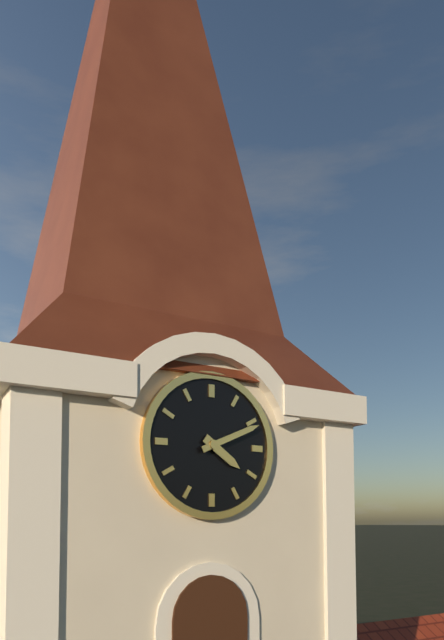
4 h 11 min
